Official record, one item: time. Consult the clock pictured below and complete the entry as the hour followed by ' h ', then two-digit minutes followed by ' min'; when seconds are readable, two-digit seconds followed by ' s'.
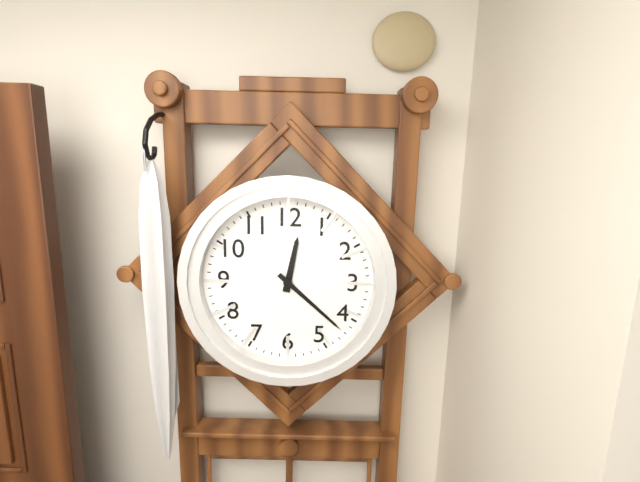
12 h 22 min
